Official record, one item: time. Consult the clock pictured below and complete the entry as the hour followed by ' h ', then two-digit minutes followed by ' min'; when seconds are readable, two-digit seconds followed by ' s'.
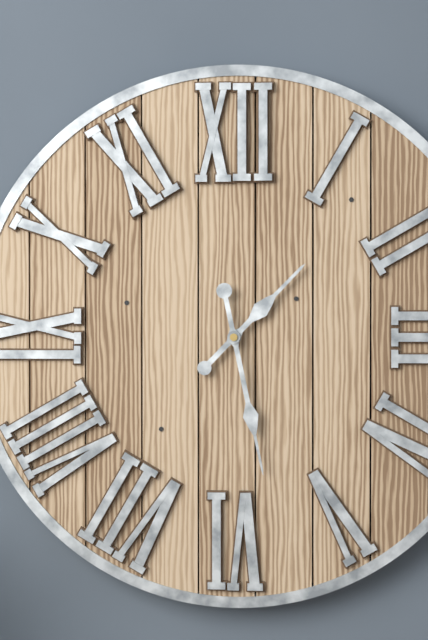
1 h 28 min
